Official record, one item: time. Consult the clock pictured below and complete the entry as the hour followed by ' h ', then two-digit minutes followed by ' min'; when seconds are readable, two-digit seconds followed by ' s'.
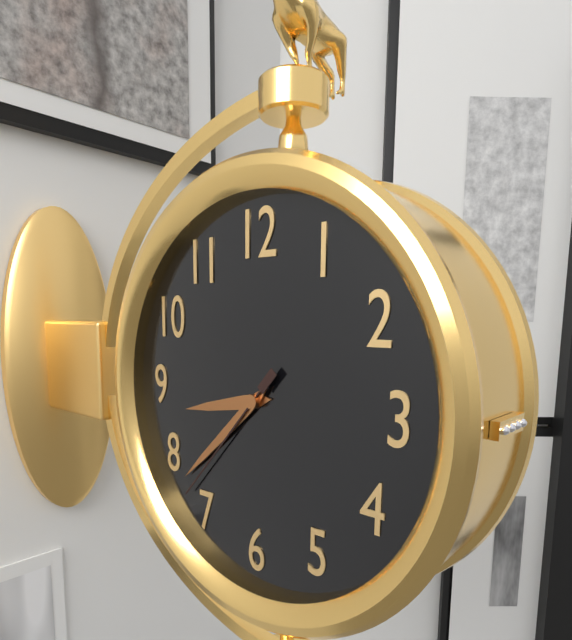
8 h 38 min 37 s
